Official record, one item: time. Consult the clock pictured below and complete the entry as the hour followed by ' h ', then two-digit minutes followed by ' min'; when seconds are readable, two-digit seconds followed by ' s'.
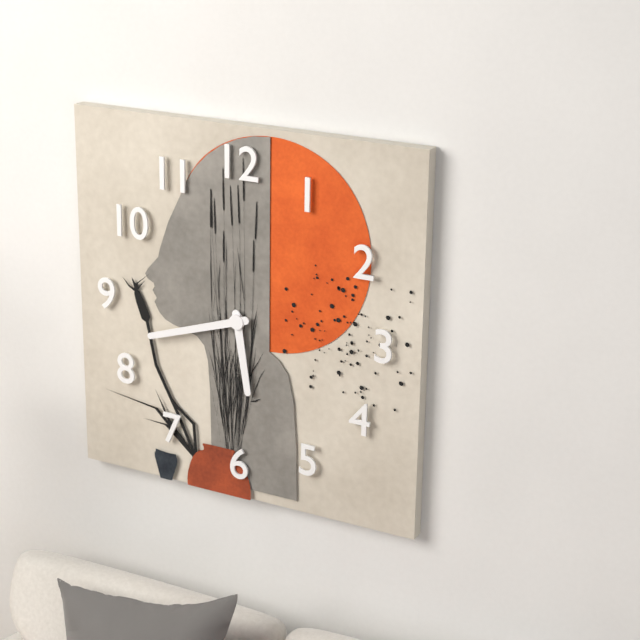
5 h 42 min
